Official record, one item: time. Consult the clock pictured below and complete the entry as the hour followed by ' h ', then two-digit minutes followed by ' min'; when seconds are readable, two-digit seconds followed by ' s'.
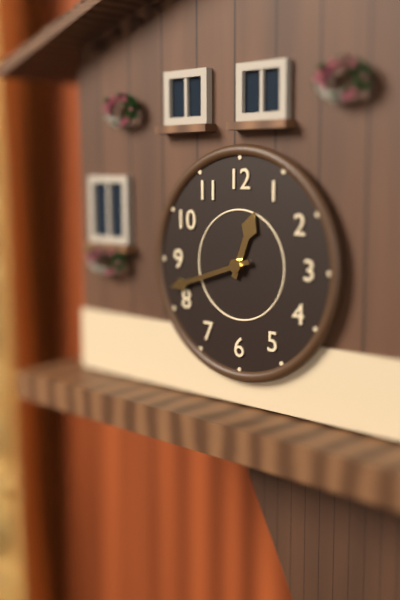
12 h 42 min
